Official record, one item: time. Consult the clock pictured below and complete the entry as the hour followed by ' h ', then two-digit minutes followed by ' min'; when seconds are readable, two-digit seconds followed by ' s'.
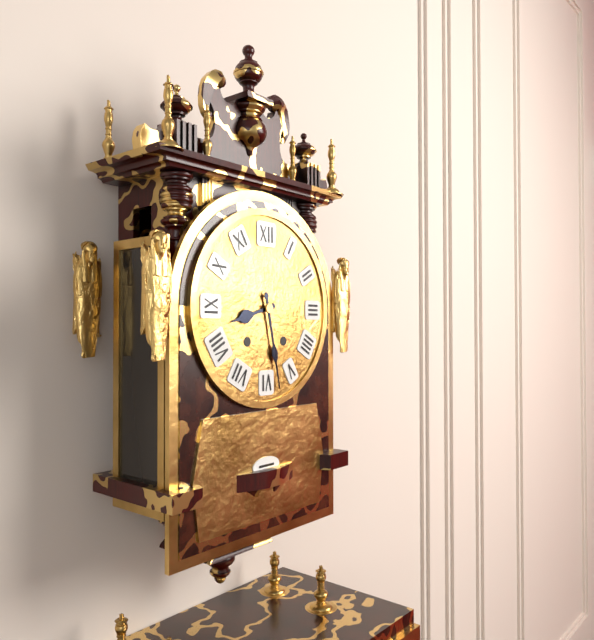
8 h 28 min
